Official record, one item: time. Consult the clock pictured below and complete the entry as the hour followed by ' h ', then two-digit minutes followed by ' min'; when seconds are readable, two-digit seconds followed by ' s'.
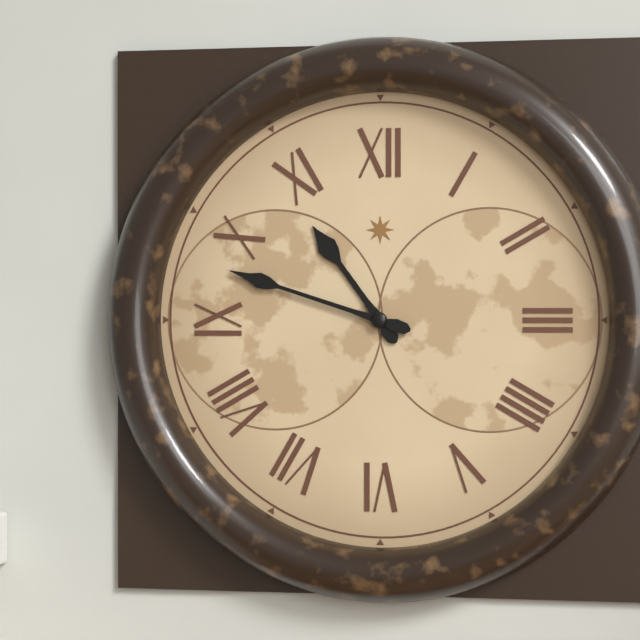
10 h 48 min
